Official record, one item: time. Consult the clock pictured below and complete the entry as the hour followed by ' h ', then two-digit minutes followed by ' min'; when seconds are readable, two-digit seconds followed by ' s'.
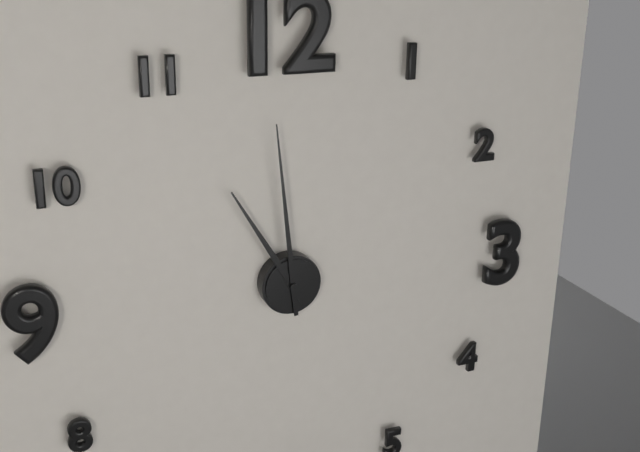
10 h 59 min
